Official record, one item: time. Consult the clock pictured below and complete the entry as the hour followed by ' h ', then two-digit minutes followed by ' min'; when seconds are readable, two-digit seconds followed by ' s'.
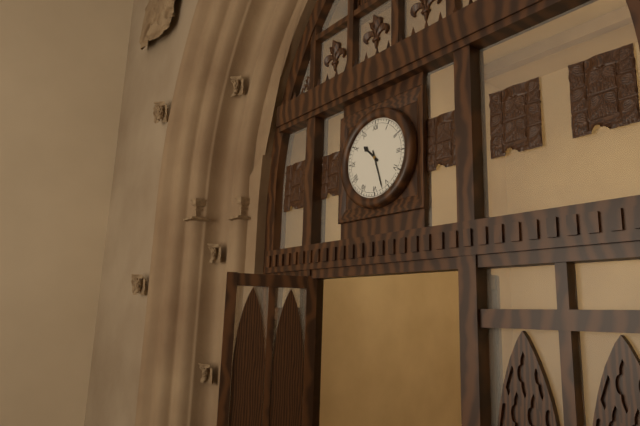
10 h 27 min
